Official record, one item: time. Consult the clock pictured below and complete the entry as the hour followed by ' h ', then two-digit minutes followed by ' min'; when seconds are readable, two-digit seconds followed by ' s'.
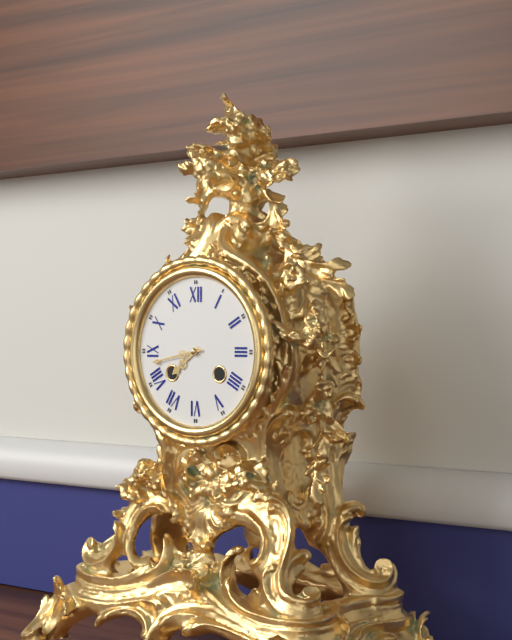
7 h 43 min
